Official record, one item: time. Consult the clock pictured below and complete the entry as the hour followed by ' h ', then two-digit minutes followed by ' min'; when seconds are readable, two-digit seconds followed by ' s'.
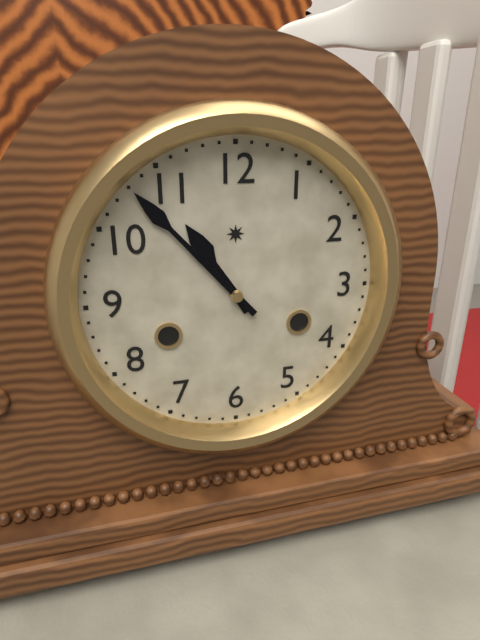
10 h 53 min
